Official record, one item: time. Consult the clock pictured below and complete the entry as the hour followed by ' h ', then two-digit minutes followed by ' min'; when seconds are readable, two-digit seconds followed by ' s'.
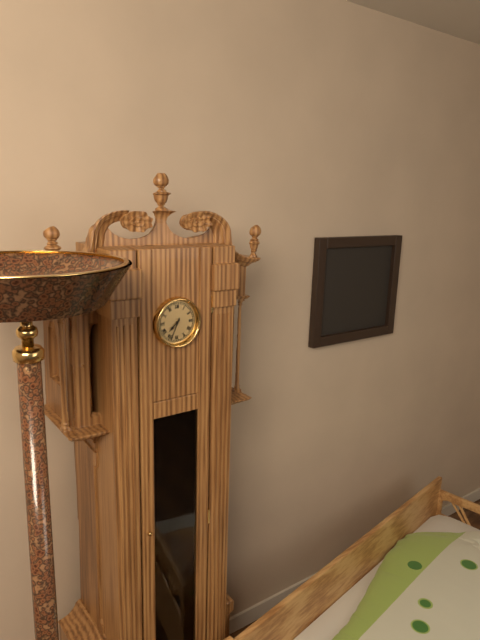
7 h 34 min
